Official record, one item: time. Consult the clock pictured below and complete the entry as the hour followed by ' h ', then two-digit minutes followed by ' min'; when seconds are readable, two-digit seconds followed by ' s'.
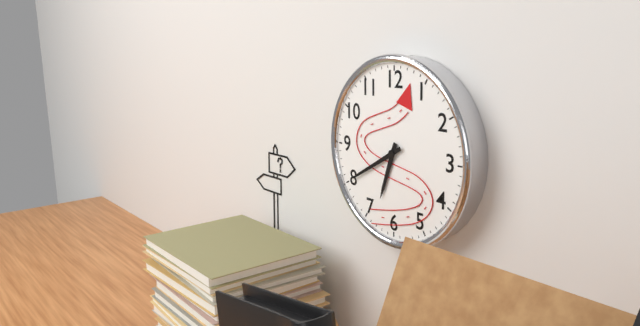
6 h 40 min
